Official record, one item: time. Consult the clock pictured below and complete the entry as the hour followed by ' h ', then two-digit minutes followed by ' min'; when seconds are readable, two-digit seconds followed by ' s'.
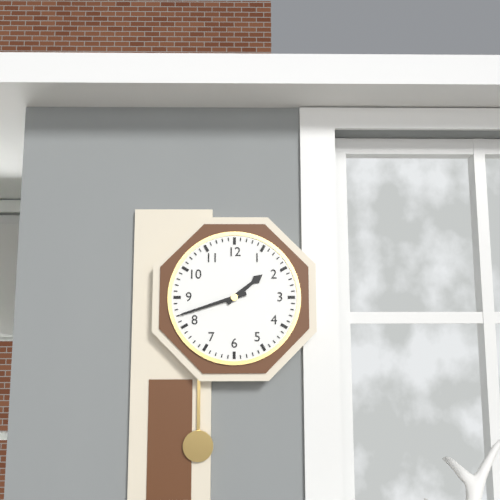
1 h 42 min
